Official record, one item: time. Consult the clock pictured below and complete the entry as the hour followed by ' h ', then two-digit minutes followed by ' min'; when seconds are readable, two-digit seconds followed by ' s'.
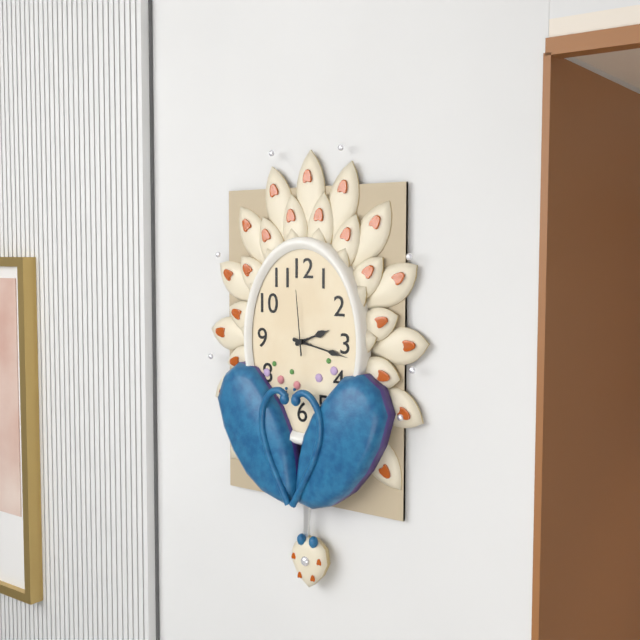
2 h 17 min 59 s
